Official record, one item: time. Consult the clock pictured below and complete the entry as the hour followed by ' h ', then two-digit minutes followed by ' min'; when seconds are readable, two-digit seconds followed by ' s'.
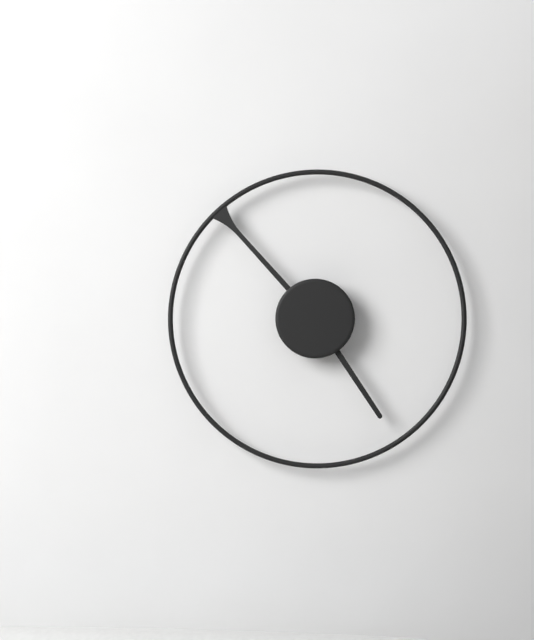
4 h 53 min
